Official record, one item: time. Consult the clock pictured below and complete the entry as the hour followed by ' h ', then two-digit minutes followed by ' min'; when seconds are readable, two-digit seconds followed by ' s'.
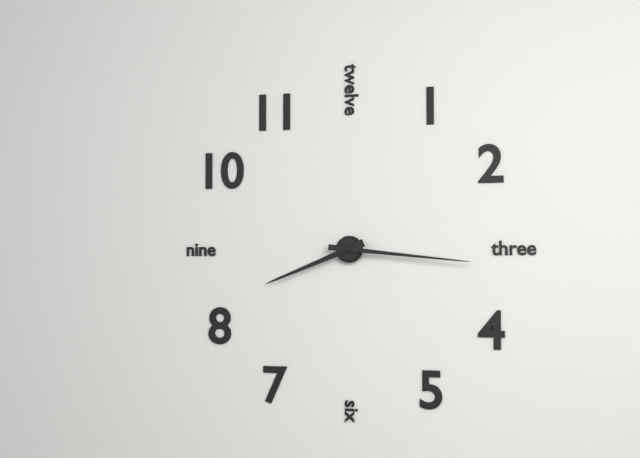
8 h 16 min
